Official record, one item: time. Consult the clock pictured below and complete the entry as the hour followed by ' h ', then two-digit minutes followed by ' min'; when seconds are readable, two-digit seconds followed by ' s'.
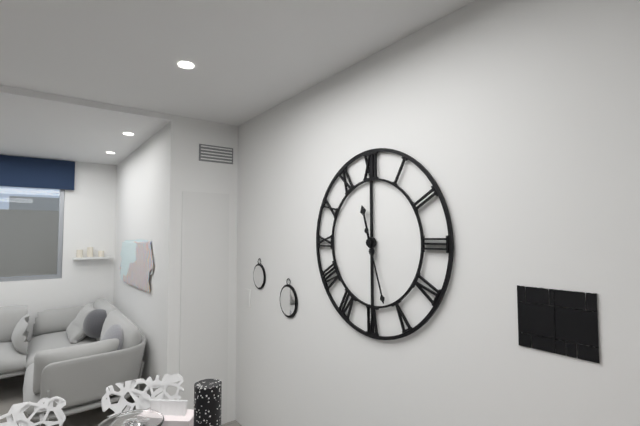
11 h 27 min
